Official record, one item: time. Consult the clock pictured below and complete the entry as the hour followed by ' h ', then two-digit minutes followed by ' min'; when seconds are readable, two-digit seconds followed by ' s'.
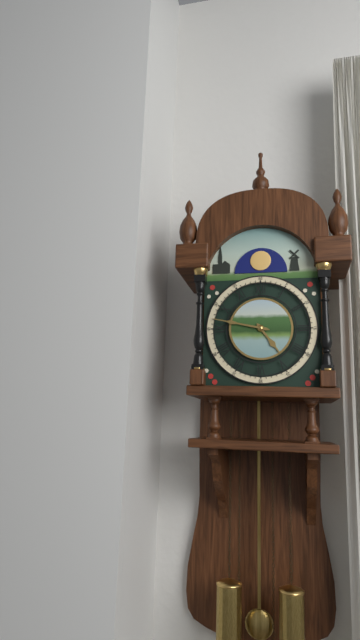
4 h 47 min
